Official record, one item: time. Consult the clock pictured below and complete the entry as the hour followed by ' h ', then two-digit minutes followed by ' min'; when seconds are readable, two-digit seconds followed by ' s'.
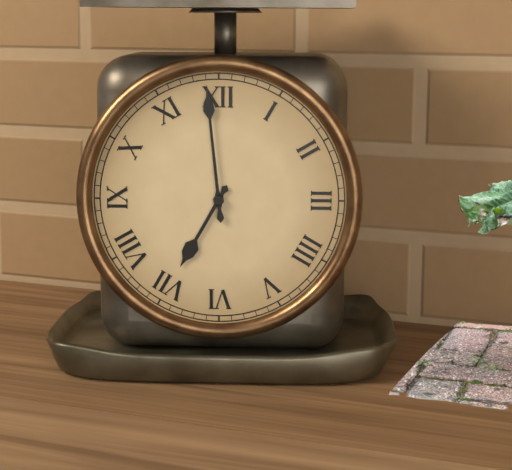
6 h 59 min
